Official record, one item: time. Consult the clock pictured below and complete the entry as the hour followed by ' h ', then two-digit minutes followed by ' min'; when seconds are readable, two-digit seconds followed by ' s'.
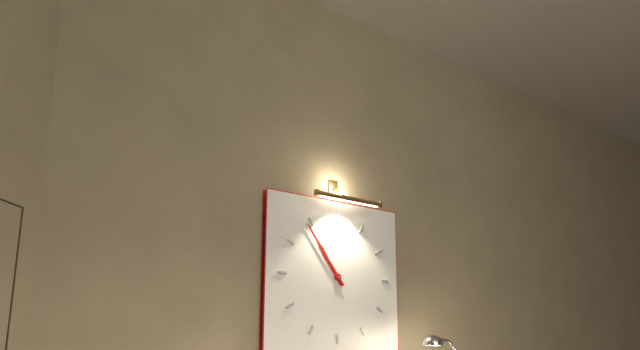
10 h 54 min
